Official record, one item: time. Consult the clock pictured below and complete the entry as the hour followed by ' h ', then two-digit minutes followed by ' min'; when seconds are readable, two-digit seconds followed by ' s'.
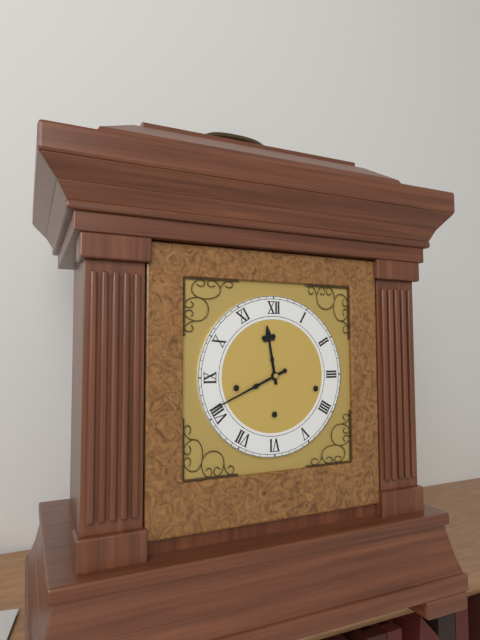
11 h 41 min
